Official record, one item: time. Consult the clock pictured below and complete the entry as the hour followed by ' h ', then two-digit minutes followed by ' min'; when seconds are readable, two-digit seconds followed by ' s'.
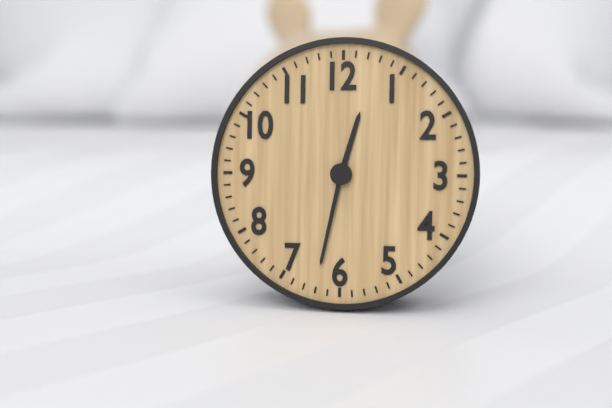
12 h 32 min
